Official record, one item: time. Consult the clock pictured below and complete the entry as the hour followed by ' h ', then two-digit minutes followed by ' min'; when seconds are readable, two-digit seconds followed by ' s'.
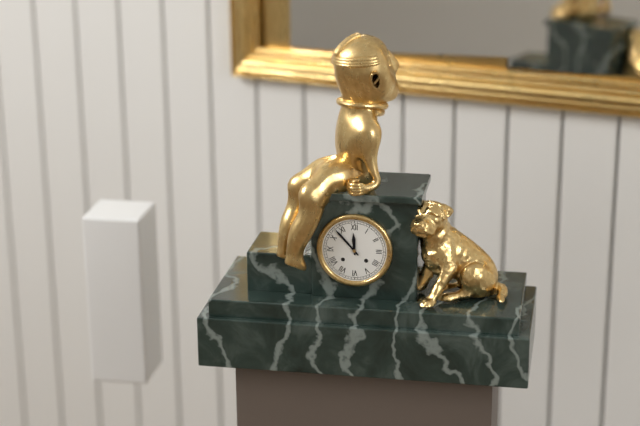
11 h 53 min
